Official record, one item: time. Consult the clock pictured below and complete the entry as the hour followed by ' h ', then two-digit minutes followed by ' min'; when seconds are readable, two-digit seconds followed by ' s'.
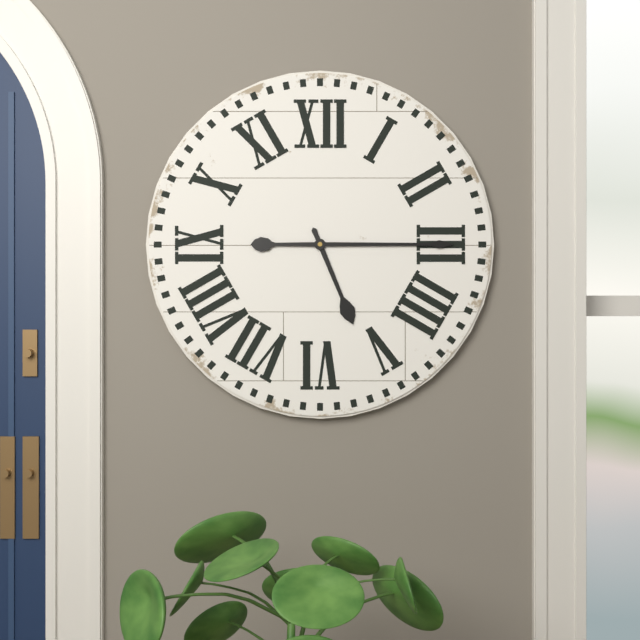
5 h 15 min
